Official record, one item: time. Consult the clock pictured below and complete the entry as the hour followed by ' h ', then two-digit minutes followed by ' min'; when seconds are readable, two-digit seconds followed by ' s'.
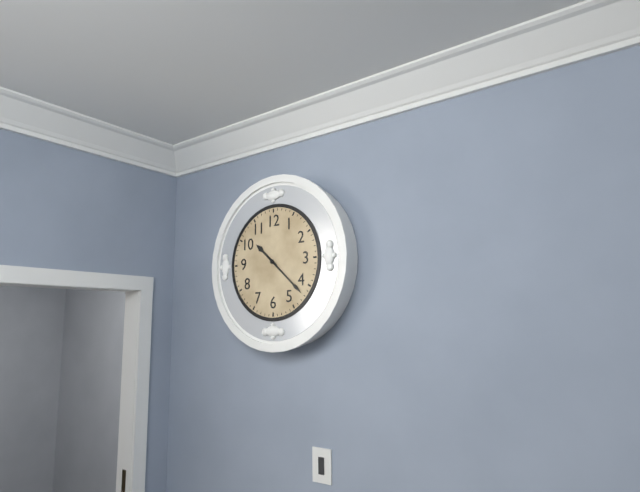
10 h 22 min
